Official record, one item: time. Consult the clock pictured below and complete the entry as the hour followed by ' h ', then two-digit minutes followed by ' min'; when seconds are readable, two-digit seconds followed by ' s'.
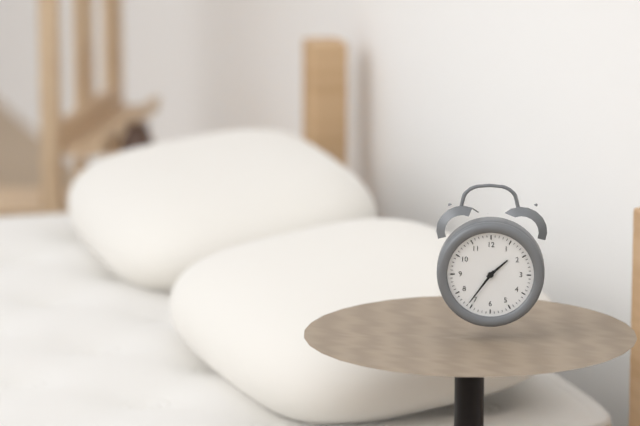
1 h 36 min
